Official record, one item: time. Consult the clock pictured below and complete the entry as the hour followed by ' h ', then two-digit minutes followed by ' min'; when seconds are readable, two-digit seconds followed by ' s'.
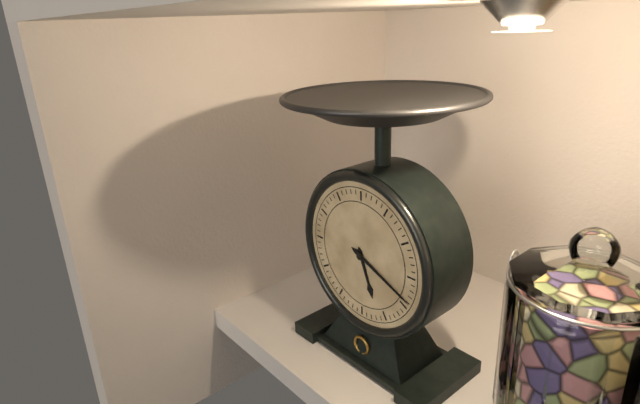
5 h 19 min
